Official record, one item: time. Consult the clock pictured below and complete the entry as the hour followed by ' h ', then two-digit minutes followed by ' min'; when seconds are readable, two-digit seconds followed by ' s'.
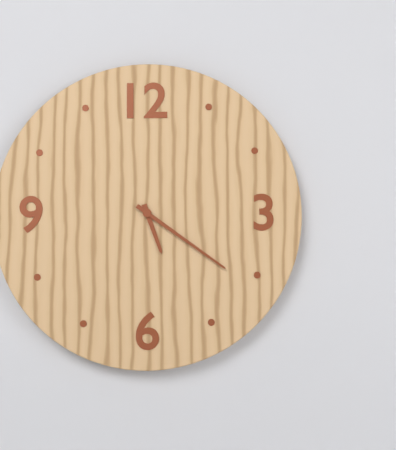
5 h 21 min
